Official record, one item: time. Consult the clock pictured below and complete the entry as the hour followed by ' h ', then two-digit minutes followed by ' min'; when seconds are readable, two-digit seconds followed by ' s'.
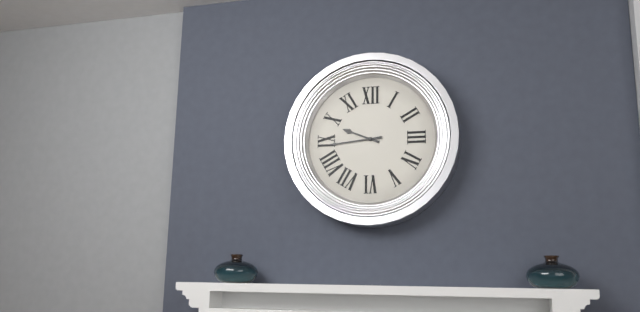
9 h 44 min
